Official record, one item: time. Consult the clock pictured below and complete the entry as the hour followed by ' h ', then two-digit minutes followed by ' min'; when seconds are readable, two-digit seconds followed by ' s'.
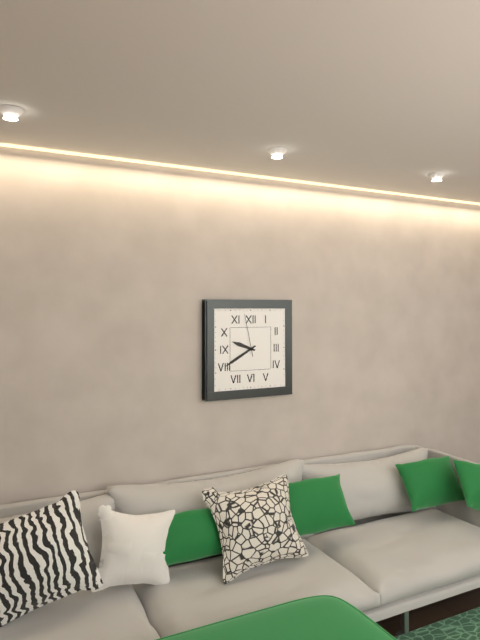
9 h 40 min
